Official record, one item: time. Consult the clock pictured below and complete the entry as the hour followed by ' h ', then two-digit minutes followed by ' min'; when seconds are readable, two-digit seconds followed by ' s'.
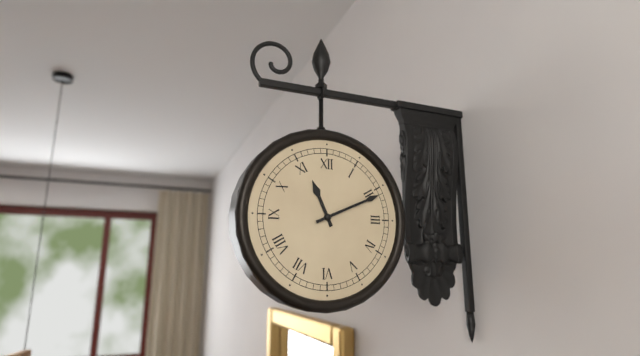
11 h 11 min
